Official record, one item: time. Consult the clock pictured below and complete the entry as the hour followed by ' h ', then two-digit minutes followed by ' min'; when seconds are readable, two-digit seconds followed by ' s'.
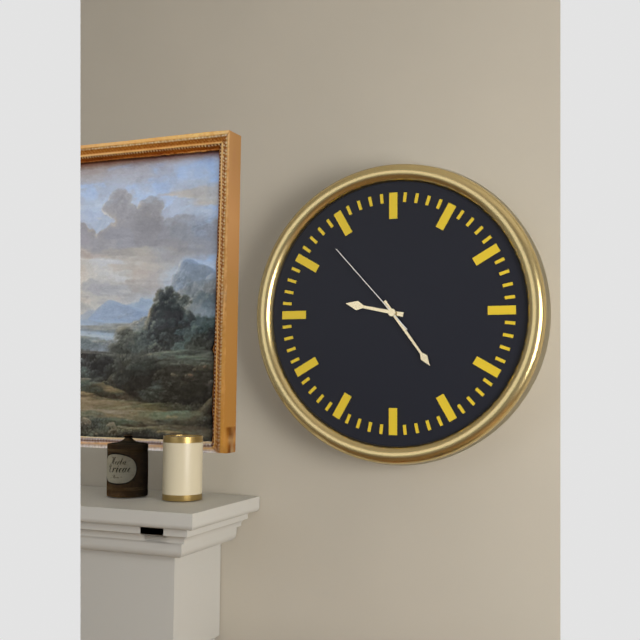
9 h 24 min 53 s
